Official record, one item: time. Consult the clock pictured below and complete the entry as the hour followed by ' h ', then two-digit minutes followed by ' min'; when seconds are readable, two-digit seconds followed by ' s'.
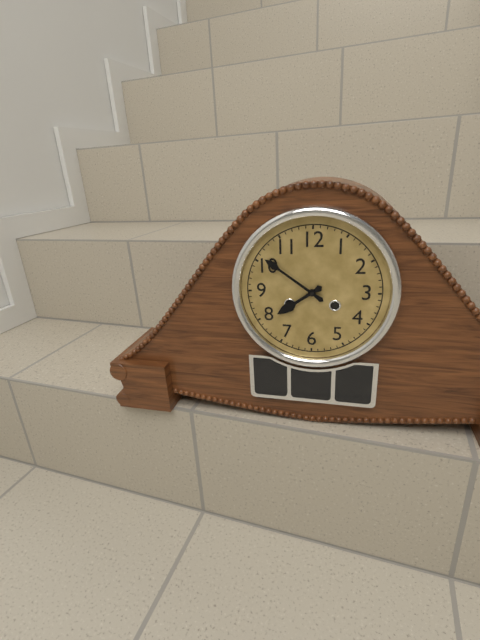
7 h 51 min
